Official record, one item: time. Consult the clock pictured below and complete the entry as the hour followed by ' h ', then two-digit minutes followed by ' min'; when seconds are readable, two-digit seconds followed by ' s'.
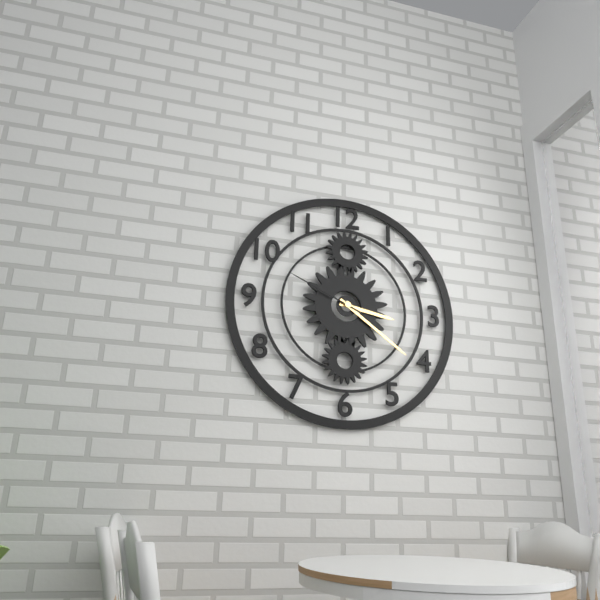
3 h 21 min 49 s
